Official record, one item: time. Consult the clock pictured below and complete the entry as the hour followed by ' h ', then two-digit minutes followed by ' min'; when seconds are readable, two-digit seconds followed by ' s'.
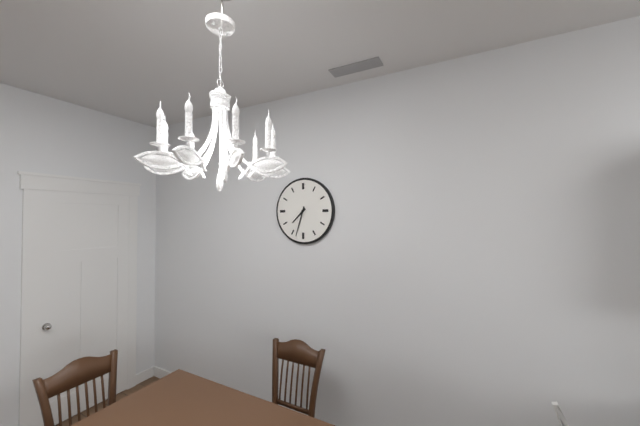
7 h 33 min
